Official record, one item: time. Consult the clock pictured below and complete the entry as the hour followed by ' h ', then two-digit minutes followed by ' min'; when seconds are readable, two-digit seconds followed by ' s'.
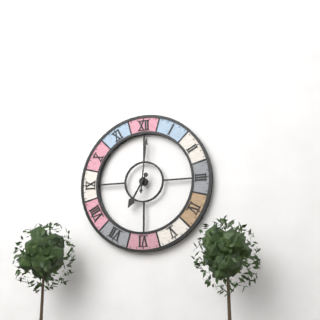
7 h 01 min
